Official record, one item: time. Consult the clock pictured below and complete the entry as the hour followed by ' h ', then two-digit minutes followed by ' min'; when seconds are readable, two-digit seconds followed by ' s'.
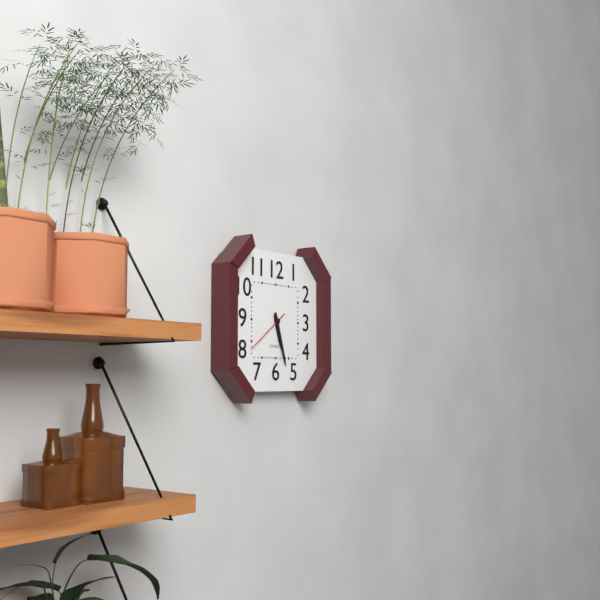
5 h 27 min
